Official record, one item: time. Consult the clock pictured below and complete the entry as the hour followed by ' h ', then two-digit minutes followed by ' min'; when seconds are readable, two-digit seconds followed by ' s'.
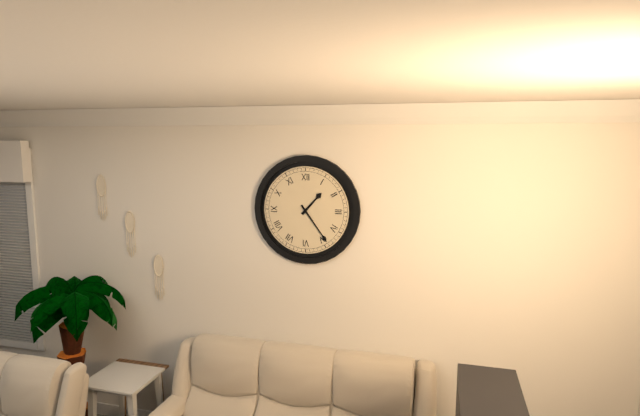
1 h 24 min
